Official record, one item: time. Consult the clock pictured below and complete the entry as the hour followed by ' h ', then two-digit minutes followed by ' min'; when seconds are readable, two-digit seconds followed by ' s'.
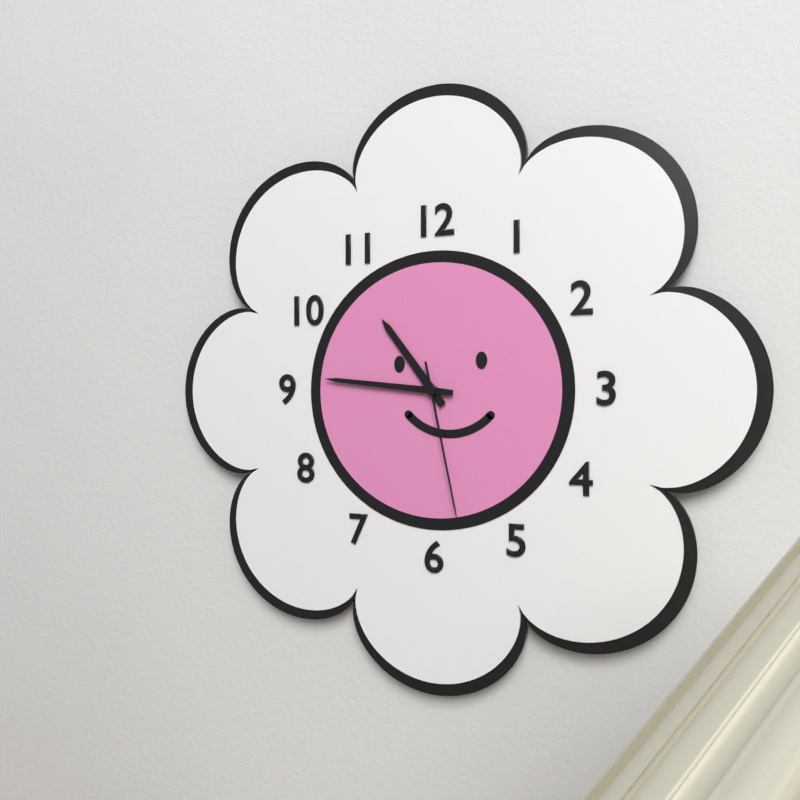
10 h 46 min 28 s
